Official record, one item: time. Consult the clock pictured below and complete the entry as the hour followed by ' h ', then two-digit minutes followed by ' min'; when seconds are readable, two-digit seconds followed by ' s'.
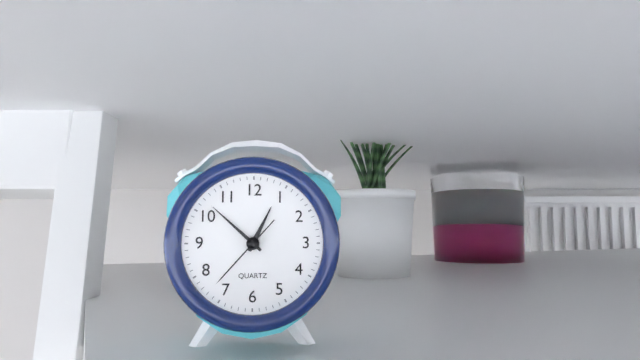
12 h 52 min 37 s
